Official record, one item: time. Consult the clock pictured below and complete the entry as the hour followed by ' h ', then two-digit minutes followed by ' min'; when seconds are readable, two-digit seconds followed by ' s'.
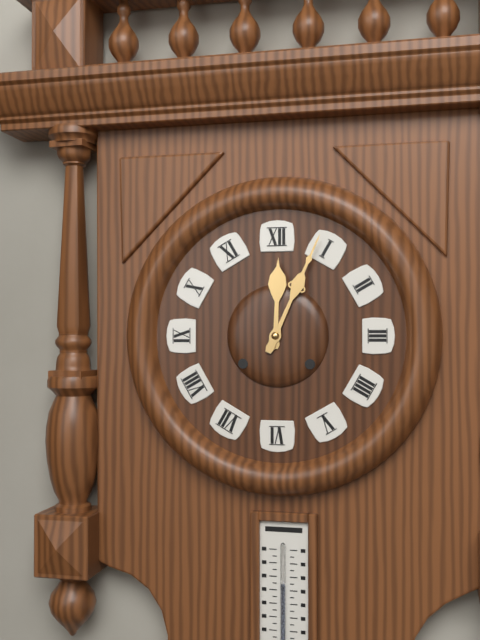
12 h 04 min
